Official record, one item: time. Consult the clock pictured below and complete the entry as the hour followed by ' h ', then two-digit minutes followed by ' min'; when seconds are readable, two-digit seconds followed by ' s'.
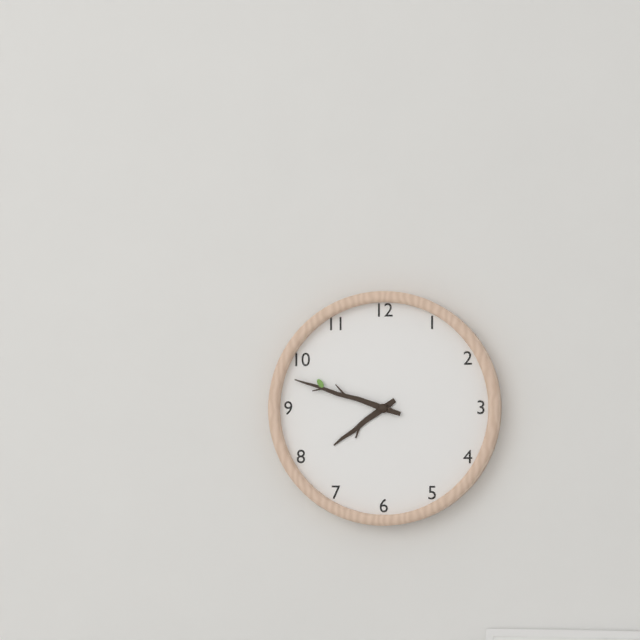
7 h 48 min
